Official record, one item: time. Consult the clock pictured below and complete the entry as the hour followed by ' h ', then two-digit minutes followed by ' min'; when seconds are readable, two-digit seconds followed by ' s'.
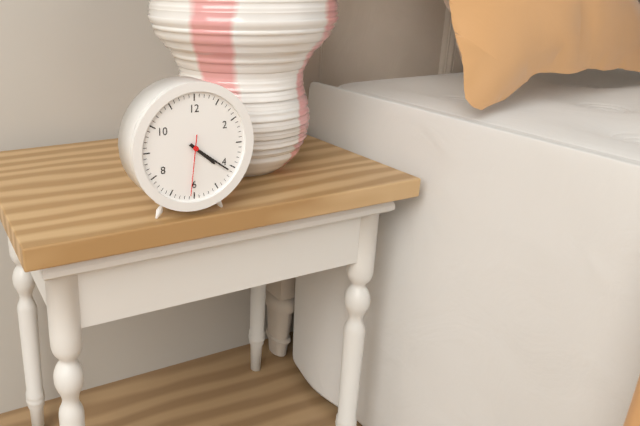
4 h 21 min 31 s
